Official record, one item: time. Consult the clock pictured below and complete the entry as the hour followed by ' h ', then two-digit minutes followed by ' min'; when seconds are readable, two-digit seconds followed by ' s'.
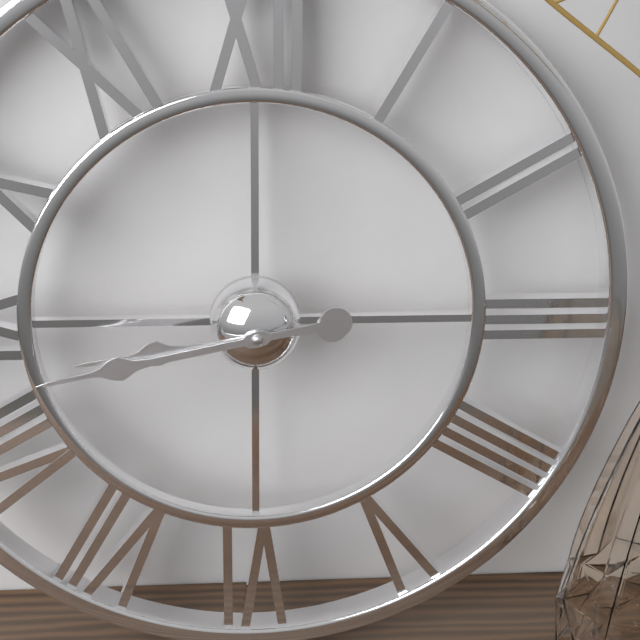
8 h 43 min
